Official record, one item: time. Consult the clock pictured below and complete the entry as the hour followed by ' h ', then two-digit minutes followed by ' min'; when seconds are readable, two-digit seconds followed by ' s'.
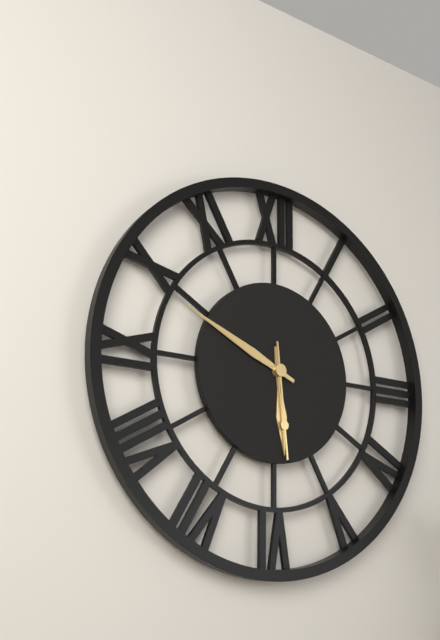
5 h 49 min 29 s
